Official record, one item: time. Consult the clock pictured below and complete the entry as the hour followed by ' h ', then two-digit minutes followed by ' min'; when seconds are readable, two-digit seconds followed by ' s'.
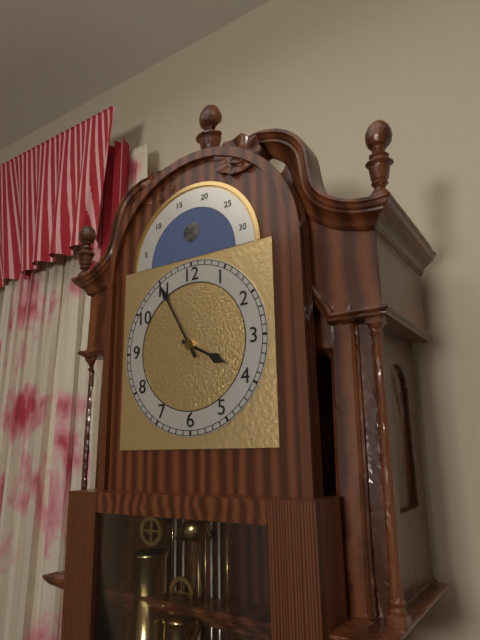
3 h 55 min
